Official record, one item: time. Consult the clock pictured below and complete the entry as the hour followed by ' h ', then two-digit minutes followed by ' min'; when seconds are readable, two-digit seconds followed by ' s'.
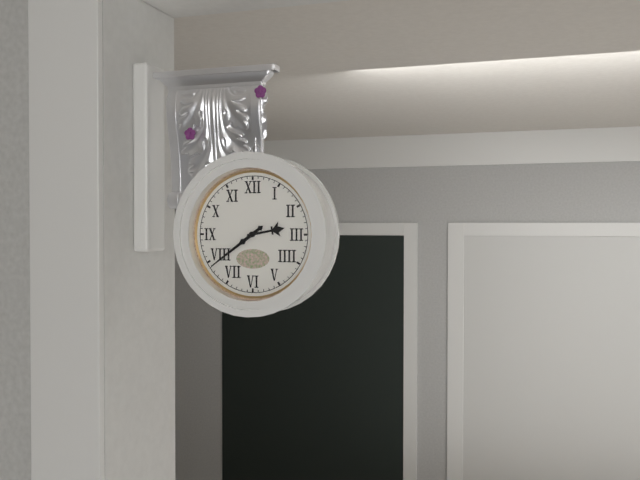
2 h 39 min
